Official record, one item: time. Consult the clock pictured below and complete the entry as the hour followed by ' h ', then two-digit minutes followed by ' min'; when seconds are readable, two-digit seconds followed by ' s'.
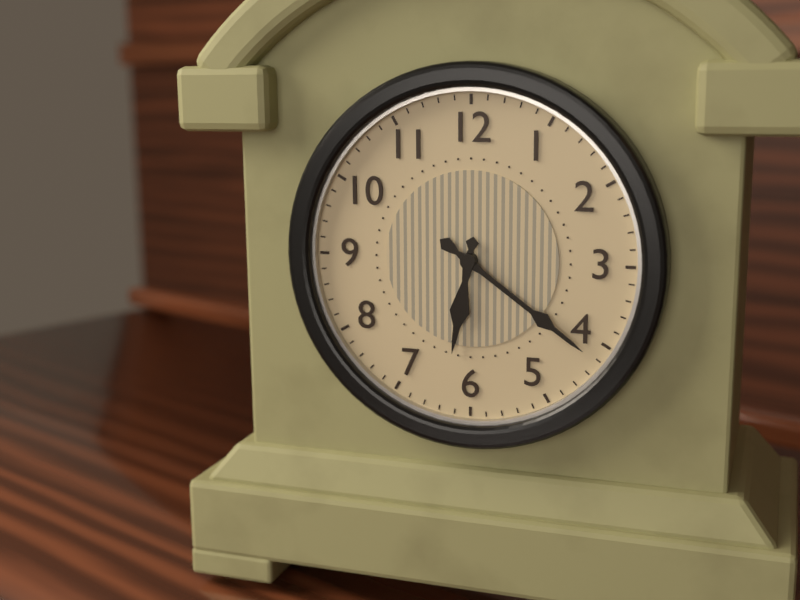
6 h 21 min
